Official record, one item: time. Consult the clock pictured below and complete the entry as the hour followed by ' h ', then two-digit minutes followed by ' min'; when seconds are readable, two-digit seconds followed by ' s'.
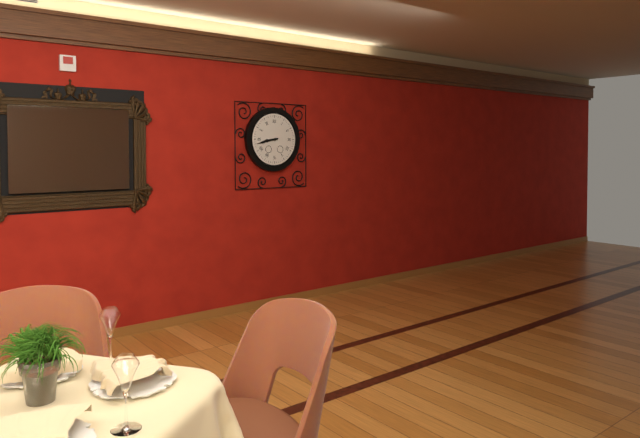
8 h 43 min
